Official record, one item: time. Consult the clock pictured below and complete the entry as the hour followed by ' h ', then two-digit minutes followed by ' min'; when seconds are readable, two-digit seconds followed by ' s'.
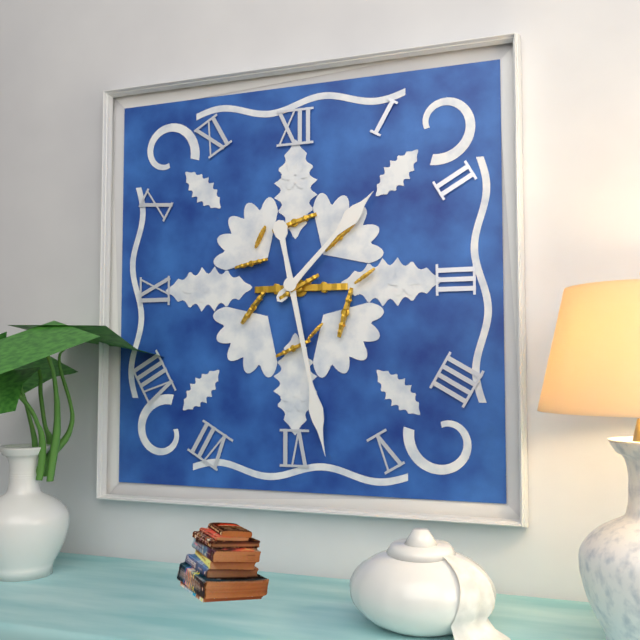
1 h 28 min
